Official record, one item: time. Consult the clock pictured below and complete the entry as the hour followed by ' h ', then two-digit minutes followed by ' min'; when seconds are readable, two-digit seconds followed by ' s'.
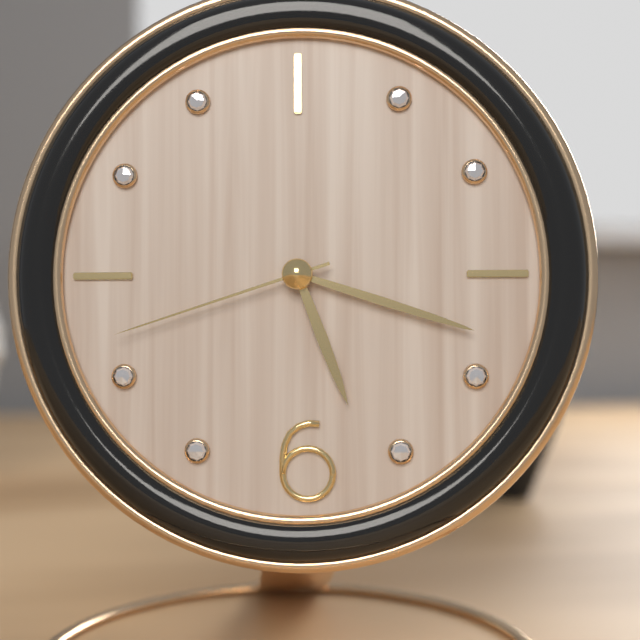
5 h 18 min 42 s
